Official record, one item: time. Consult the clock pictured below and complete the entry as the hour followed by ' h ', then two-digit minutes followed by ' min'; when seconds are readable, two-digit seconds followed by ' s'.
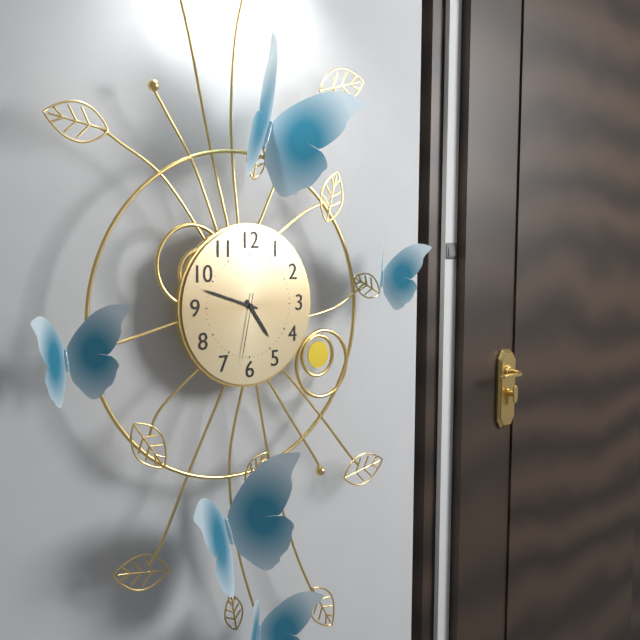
4 h 48 min 32 s
